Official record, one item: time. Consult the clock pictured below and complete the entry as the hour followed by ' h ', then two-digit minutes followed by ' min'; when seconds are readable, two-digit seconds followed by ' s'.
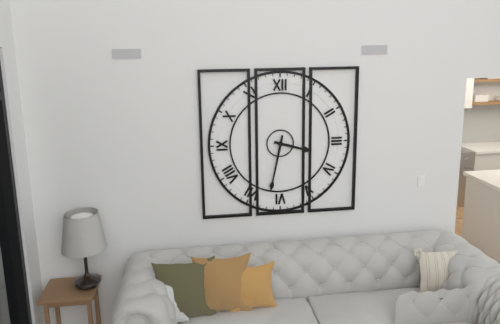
3 h 32 min
